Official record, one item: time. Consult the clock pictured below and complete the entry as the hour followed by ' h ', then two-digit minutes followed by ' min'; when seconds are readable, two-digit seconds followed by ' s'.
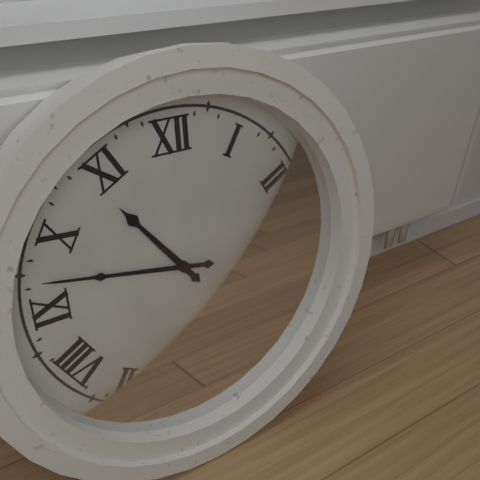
10 h 47 min
